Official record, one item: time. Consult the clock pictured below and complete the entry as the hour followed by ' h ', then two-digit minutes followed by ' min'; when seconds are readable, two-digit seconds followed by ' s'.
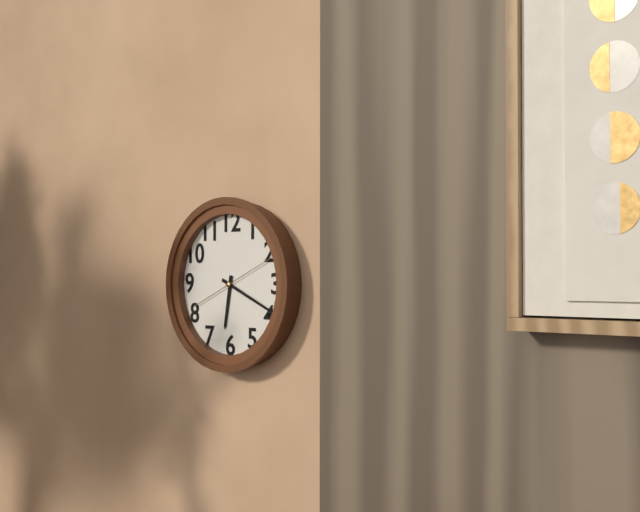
6 h 19 min 11 s
